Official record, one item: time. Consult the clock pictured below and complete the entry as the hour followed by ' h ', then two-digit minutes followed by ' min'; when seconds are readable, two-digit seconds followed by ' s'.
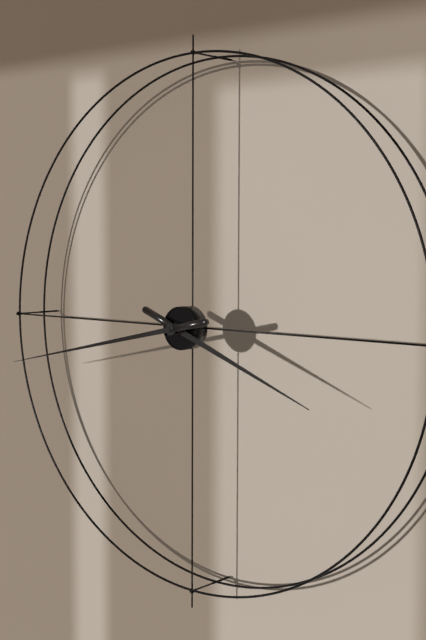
3 h 43 min
